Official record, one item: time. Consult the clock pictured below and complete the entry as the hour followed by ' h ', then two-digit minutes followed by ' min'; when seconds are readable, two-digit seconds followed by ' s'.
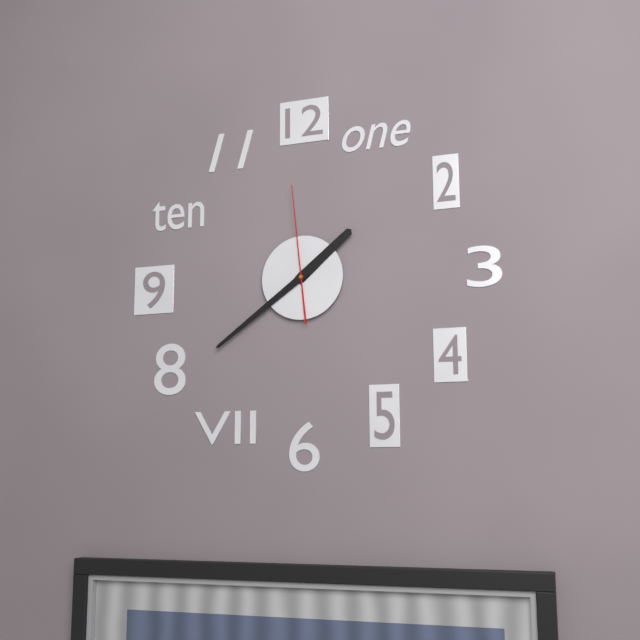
1 h 39 min 59 s
